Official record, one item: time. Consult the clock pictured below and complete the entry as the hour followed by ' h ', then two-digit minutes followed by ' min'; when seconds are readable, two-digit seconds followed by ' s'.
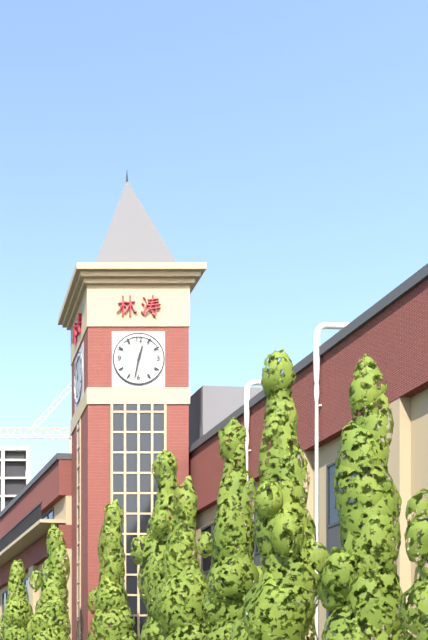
12 h 32 min
